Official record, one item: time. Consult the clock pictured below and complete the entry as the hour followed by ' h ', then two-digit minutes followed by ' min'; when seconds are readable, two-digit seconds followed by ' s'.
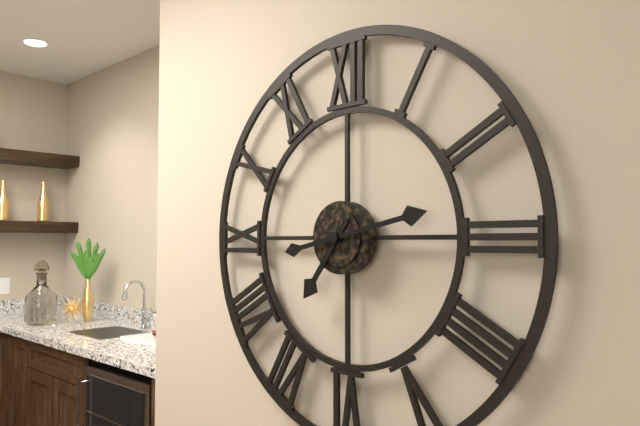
7 h 13 min
